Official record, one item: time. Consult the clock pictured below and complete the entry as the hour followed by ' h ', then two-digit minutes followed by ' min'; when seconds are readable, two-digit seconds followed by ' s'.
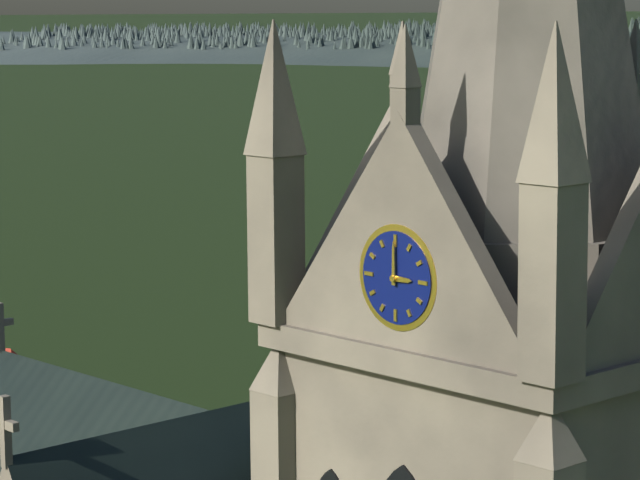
3 h 00 min
